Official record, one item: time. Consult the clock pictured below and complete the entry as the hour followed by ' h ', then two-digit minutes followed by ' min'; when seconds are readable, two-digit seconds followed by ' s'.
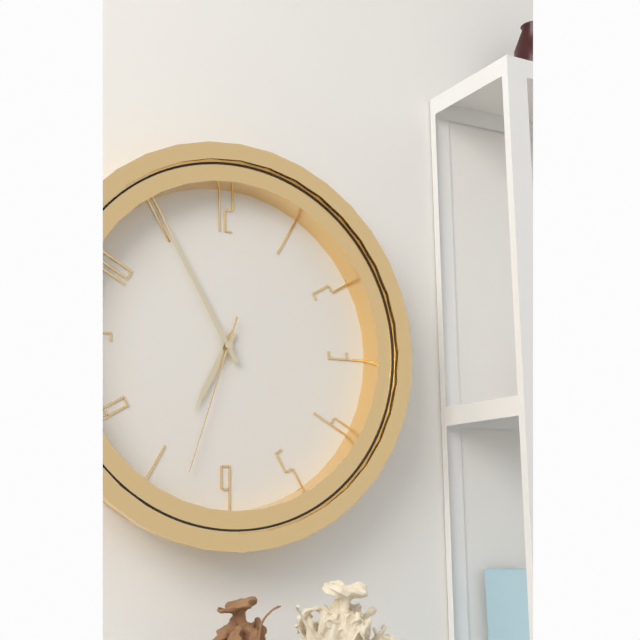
6 h 55 min 33 s
